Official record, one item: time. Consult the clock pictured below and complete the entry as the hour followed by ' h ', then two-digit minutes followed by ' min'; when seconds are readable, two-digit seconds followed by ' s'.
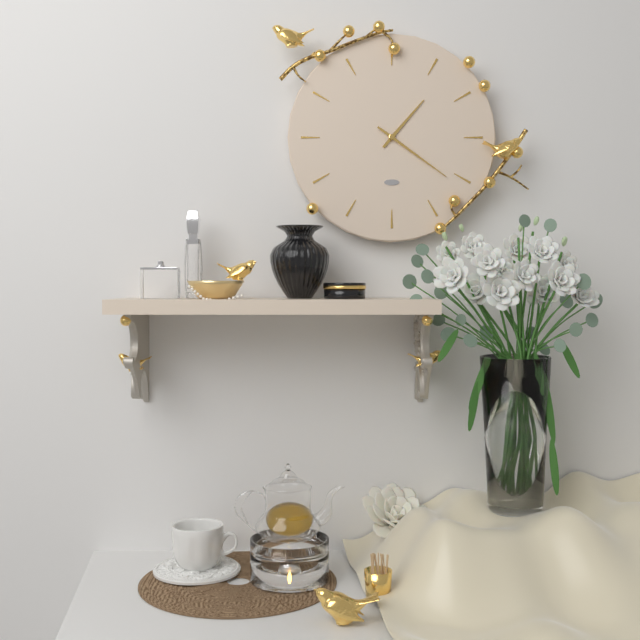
1 h 21 min
